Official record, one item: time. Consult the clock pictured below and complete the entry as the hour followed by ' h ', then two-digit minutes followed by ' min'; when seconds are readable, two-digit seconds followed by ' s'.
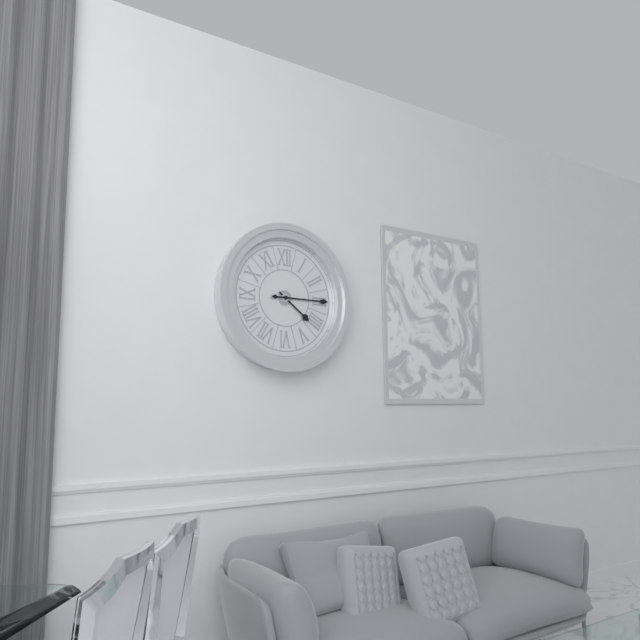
4 h 15 min
